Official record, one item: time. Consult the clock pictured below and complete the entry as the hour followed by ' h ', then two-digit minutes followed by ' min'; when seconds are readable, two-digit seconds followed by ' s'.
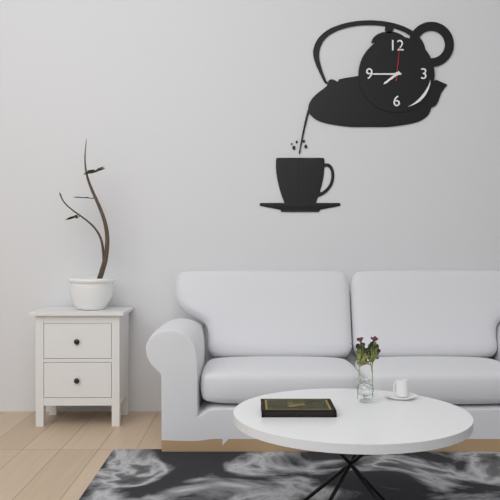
7 h 45 min
